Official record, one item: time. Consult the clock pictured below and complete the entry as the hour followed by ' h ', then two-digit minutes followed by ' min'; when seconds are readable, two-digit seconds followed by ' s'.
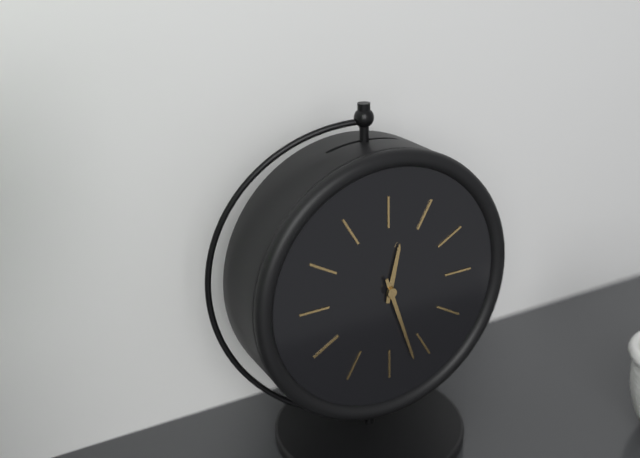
12 h 27 min
